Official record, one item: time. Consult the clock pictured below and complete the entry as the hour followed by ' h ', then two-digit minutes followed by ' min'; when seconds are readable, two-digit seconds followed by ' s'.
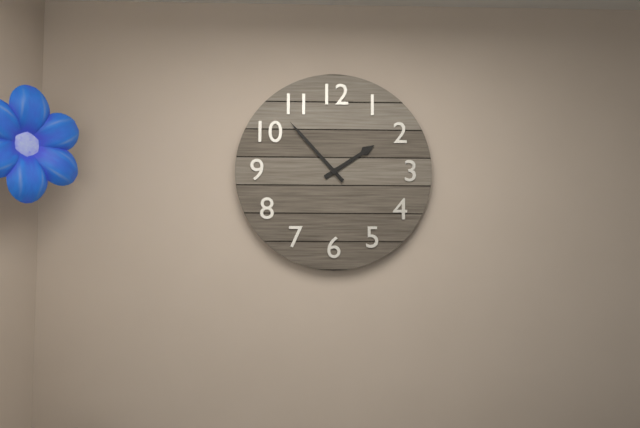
1 h 53 min
